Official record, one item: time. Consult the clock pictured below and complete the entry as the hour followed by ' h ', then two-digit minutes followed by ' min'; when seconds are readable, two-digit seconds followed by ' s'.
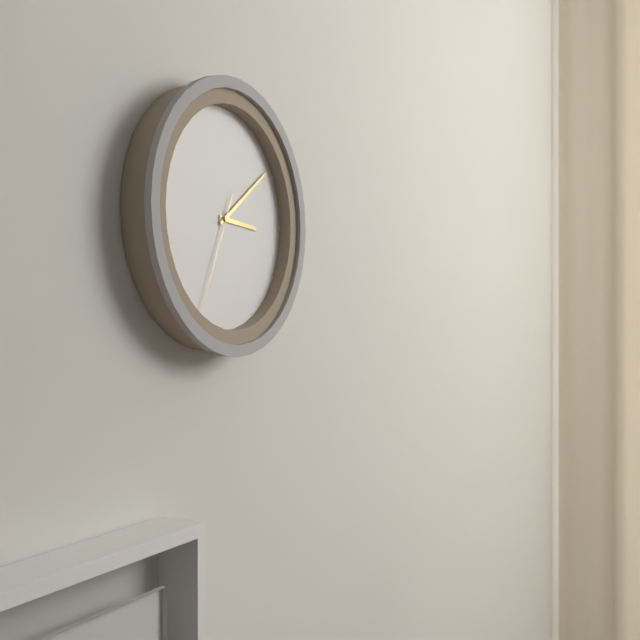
3 h 09 min 34 s
